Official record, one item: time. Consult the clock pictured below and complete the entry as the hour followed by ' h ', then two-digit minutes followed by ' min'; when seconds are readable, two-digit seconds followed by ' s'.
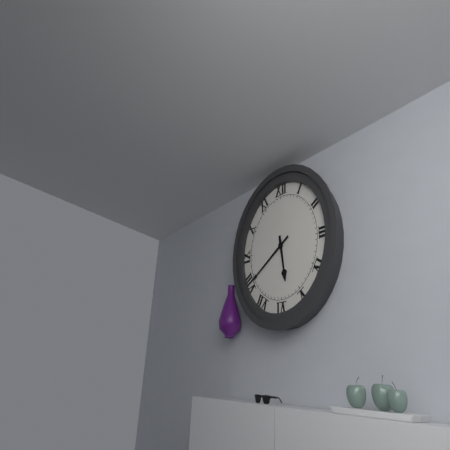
5 h 40 min
